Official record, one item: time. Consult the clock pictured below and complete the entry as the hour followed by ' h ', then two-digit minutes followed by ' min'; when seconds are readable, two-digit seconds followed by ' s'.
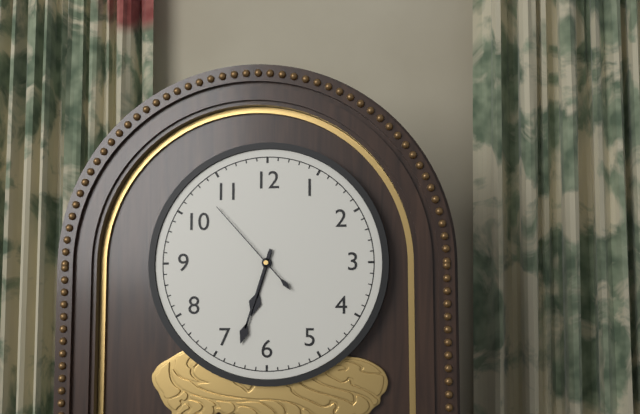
6 h 33 min 53 s
